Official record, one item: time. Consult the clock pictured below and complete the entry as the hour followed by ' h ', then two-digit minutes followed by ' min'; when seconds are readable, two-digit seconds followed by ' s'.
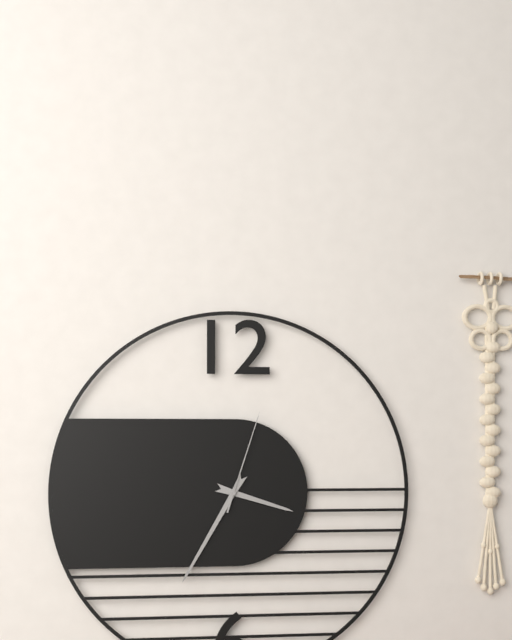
3 h 35 min 03 s
